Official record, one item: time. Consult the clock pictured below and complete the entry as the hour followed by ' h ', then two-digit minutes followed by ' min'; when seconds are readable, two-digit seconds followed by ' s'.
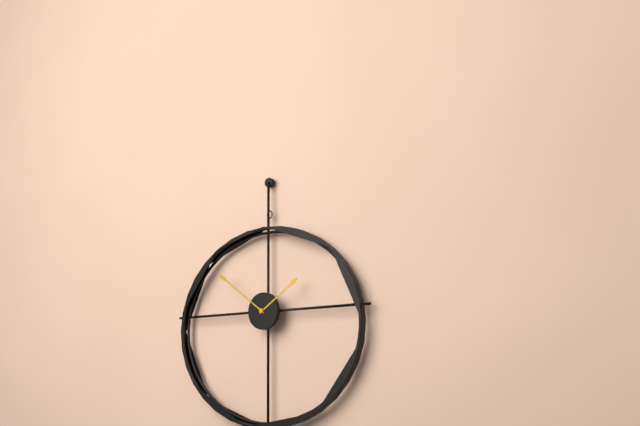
1 h 51 min
